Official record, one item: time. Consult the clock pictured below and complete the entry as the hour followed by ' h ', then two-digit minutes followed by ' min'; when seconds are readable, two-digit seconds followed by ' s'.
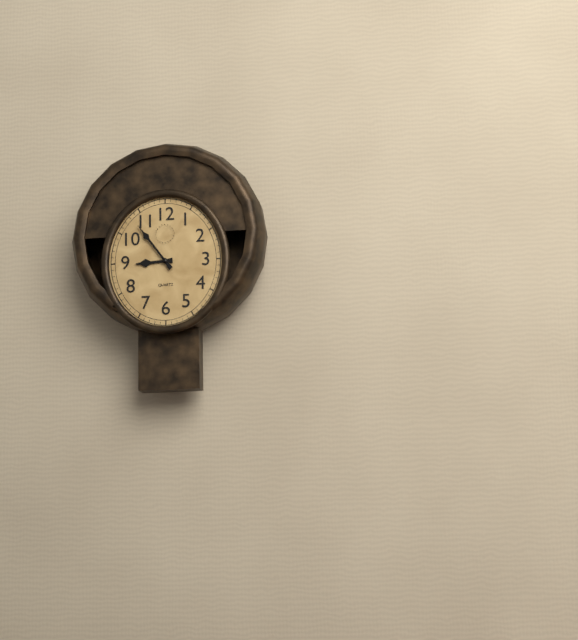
8 h 54 min
